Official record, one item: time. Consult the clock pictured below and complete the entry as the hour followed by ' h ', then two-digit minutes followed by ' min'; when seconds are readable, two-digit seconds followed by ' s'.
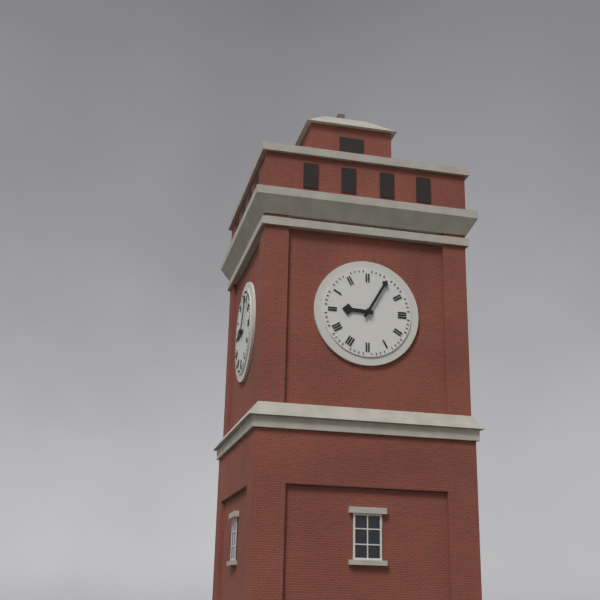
9 h 05 min
